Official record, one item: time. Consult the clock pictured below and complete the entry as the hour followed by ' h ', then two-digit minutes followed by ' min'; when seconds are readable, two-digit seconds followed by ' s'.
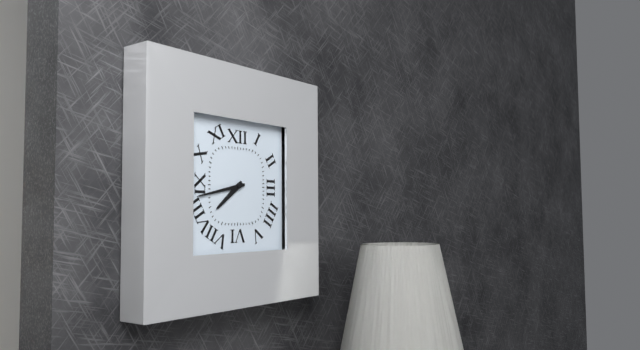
7 h 43 min
